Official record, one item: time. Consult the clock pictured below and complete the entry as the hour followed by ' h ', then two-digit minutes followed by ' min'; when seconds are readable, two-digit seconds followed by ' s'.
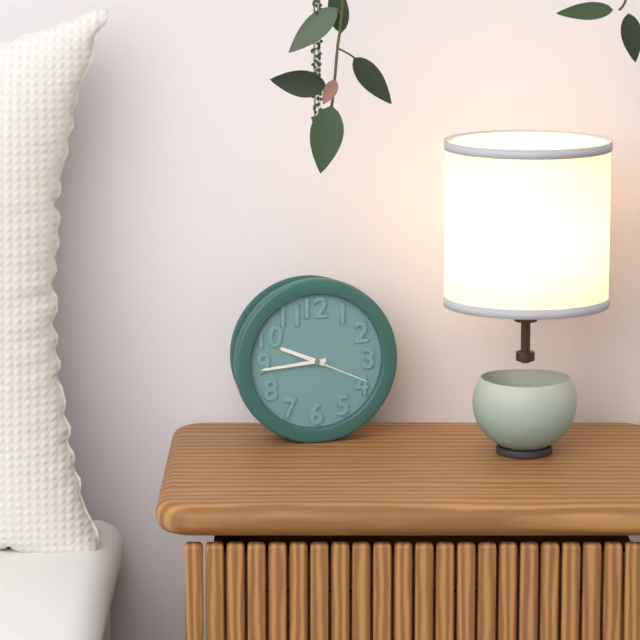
9 h 44 min 19 s
